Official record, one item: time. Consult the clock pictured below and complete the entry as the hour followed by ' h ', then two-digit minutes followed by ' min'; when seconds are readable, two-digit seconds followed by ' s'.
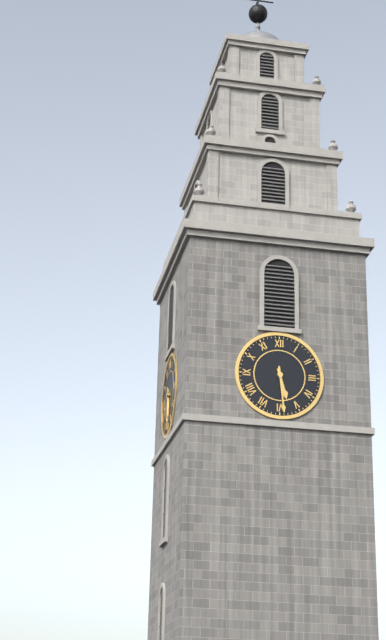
5 h 29 min
